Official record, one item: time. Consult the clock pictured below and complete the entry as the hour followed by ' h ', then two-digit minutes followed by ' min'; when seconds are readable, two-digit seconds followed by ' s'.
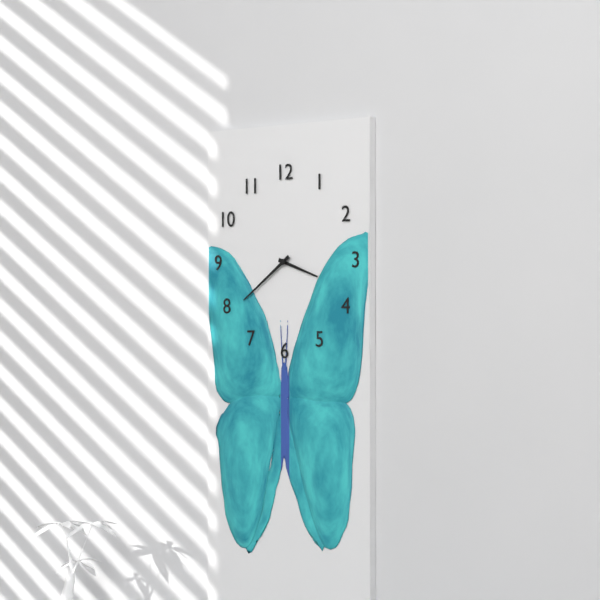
3 h 39 min
